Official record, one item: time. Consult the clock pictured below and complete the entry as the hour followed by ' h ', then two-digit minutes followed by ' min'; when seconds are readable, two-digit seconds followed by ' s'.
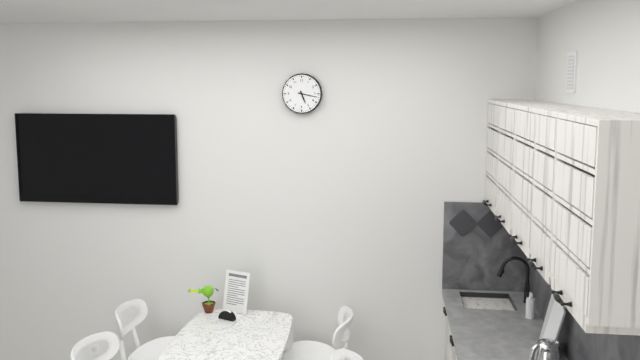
5 h 17 min
